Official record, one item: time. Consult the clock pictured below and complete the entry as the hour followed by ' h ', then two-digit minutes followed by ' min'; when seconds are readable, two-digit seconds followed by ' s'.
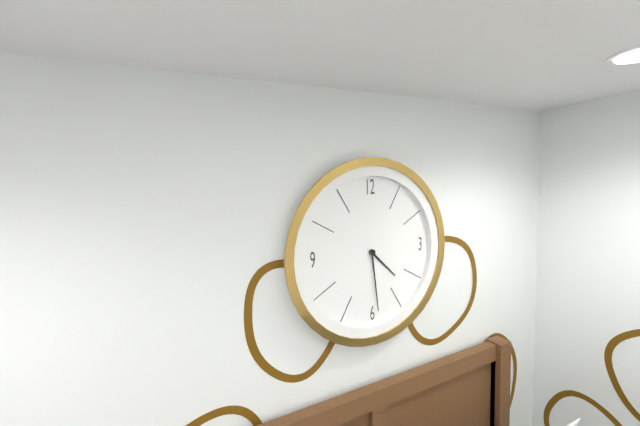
4 h 29 min
